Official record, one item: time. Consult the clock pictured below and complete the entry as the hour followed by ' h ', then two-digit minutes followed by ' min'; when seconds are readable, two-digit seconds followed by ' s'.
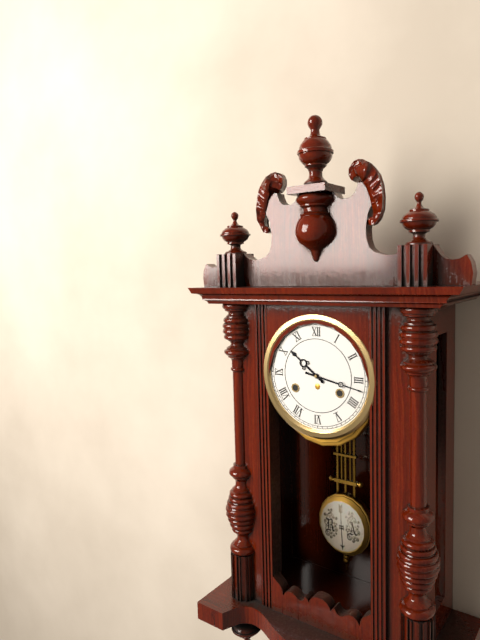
10 h 17 min
